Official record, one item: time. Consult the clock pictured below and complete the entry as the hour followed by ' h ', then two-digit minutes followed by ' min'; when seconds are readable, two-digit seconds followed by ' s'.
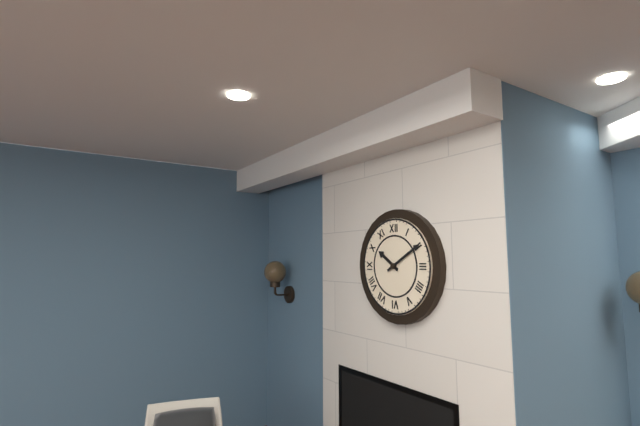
10 h 10 min
